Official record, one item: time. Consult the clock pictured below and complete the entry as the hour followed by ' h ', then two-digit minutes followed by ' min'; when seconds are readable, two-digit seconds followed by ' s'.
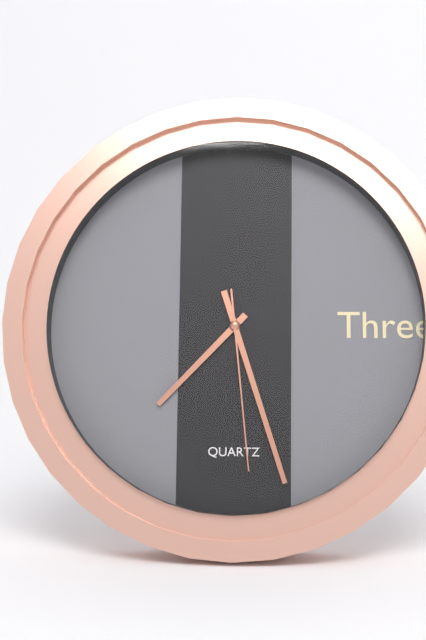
7 h 27 min 29 s
